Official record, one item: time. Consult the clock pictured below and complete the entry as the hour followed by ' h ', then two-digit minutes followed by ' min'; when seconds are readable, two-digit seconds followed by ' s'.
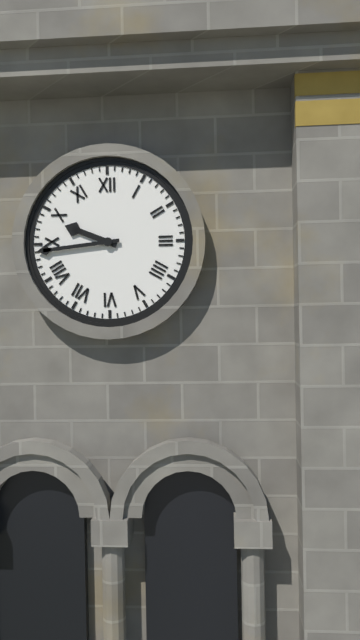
9 h 44 min
